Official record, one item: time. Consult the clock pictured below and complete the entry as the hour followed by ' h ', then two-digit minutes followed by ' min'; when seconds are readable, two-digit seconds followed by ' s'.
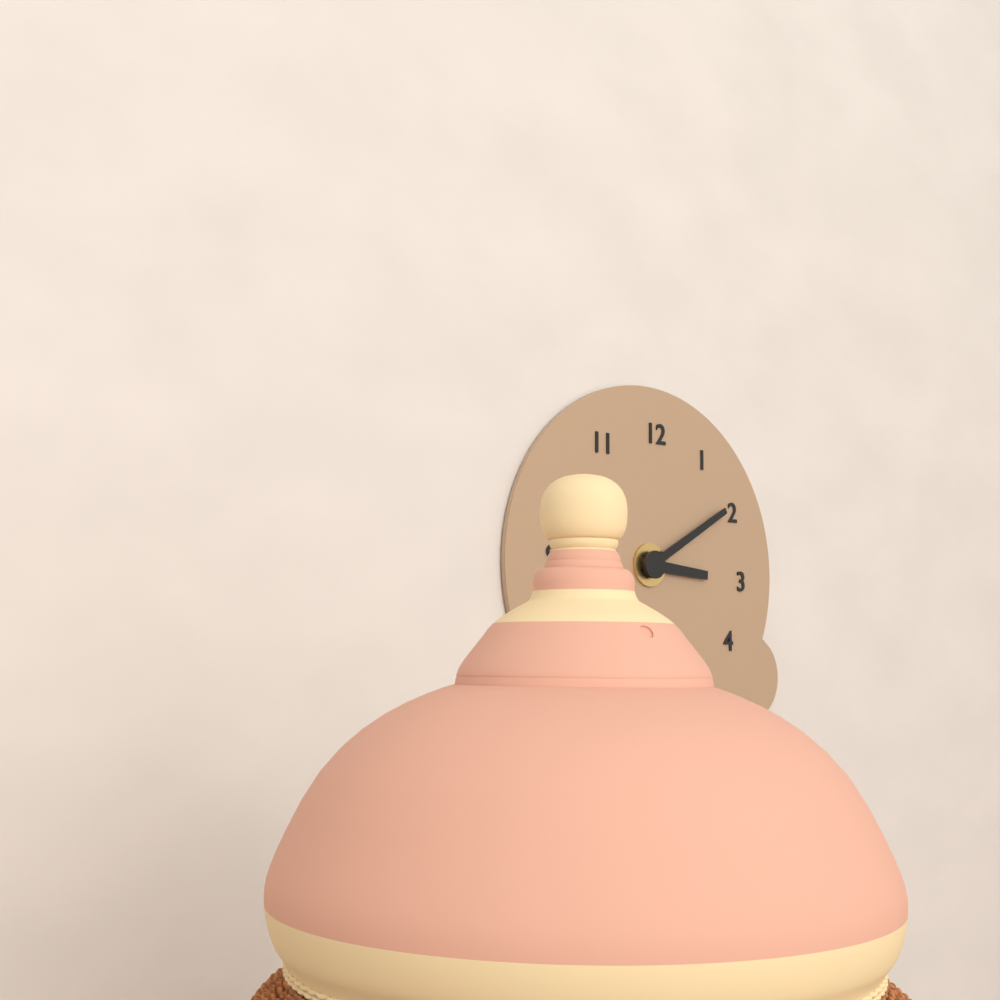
3 h 10 min
